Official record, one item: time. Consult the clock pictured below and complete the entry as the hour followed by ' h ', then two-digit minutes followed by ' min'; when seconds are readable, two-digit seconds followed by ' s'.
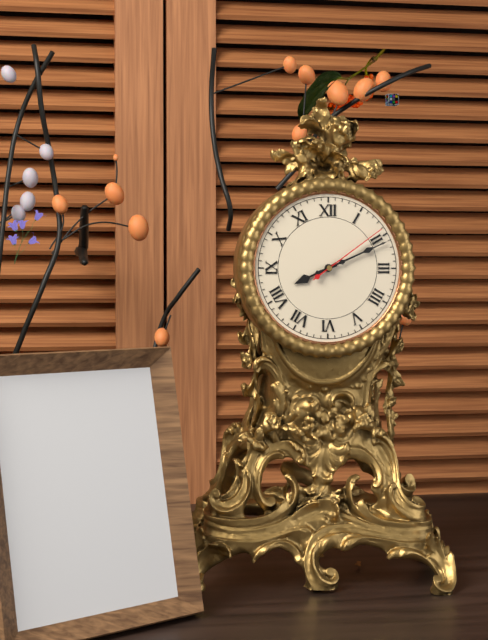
8 h 11 min 09 s
